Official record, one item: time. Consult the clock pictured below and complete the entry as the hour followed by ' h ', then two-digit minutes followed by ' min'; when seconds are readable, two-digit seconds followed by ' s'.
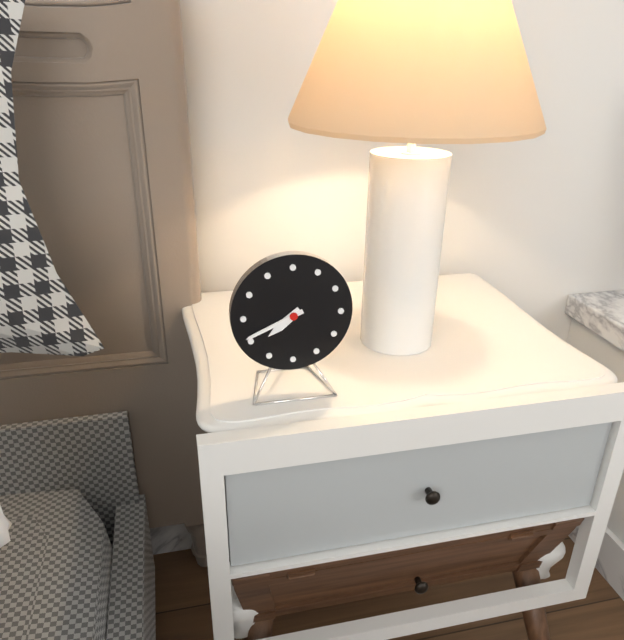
7 h 41 min
